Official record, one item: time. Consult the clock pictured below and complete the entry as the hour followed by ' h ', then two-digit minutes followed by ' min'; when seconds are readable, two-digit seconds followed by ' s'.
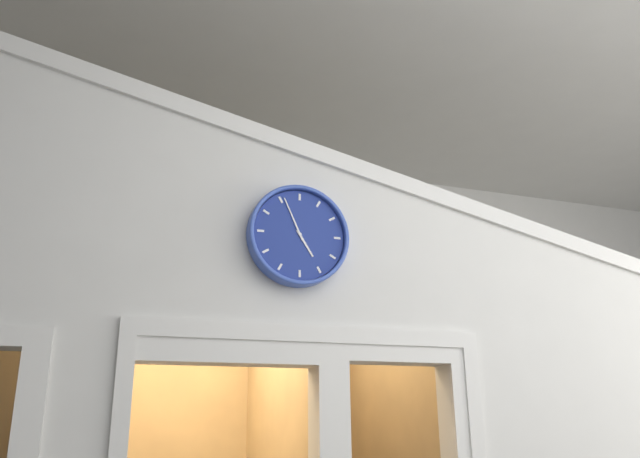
4 h 56 min
